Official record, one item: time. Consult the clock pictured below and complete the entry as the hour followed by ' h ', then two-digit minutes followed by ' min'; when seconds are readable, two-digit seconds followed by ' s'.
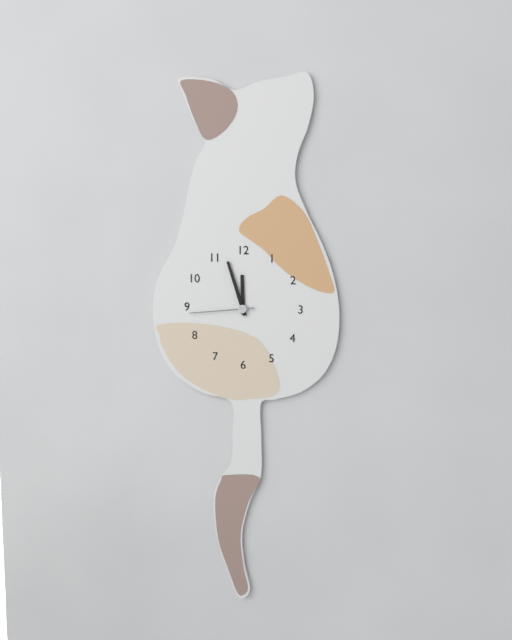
11 h 57 min 44 s
